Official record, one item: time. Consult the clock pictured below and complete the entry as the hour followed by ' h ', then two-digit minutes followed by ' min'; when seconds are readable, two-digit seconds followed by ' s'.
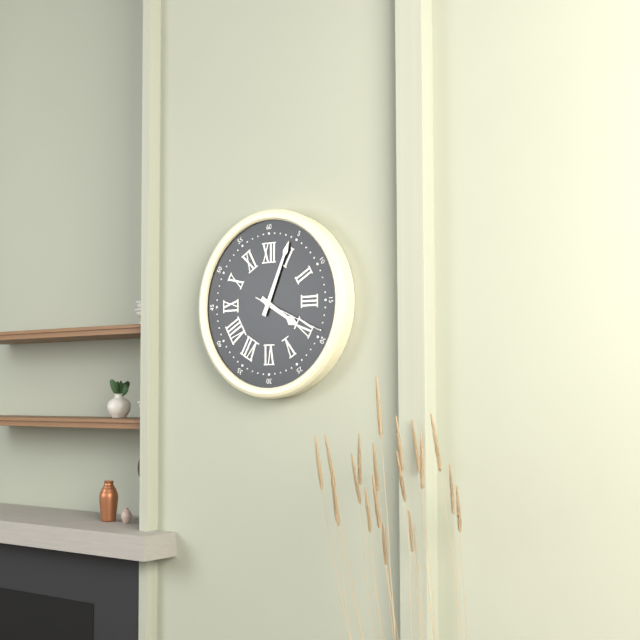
4 h 04 min 19 s
